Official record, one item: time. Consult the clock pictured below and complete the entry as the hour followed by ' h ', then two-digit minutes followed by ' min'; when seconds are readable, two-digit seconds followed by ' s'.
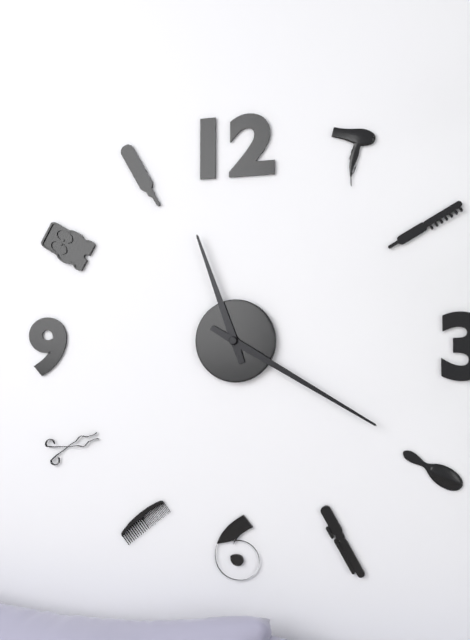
11 h 20 min
